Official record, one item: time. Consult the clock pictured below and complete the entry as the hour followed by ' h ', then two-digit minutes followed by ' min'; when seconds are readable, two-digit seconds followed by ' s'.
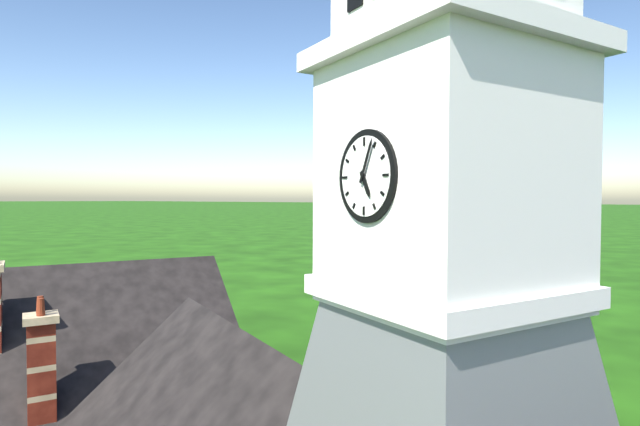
5 h 04 min
